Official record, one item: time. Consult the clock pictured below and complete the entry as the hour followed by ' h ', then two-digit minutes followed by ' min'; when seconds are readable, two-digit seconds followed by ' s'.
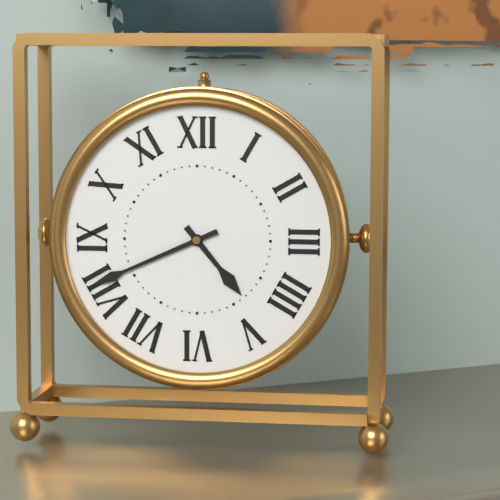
4 h 41 min
